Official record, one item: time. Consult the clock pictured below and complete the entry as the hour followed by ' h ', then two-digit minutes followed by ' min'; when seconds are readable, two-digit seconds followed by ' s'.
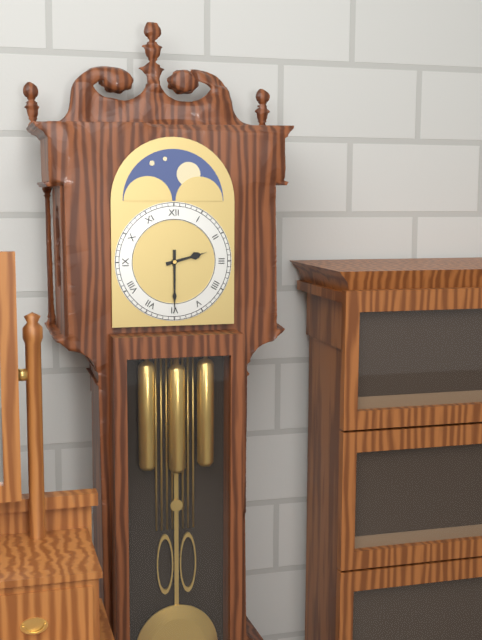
2 h 30 min
